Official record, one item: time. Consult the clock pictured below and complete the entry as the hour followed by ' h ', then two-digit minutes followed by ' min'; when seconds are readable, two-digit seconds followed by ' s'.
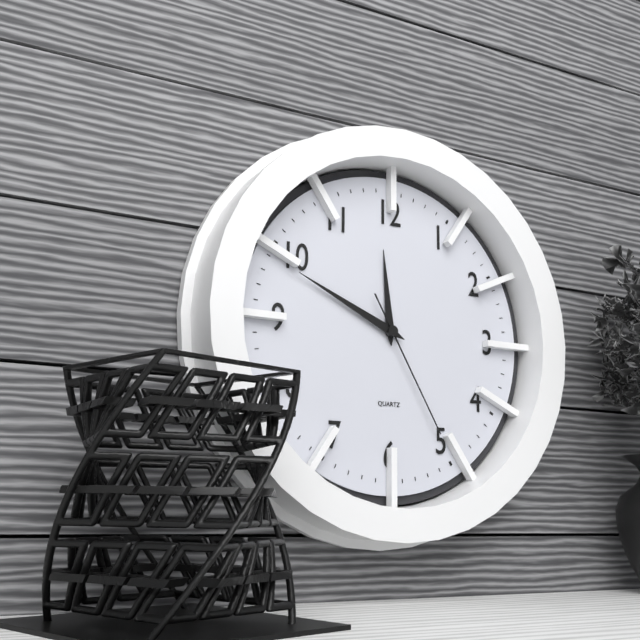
11 h 49 min 25 s
